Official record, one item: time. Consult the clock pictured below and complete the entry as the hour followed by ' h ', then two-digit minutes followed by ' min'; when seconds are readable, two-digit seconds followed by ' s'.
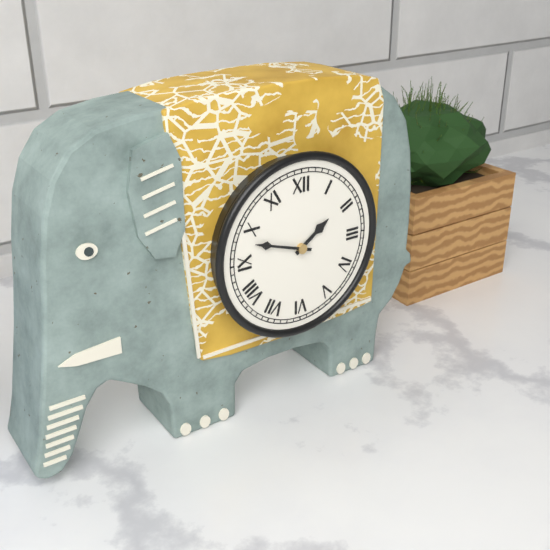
1 h 48 min
